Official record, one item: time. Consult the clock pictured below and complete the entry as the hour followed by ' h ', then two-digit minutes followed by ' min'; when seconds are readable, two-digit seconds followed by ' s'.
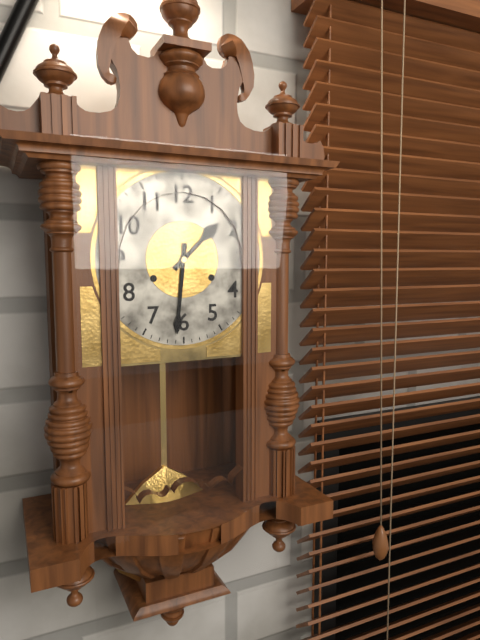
1 h 31 min
